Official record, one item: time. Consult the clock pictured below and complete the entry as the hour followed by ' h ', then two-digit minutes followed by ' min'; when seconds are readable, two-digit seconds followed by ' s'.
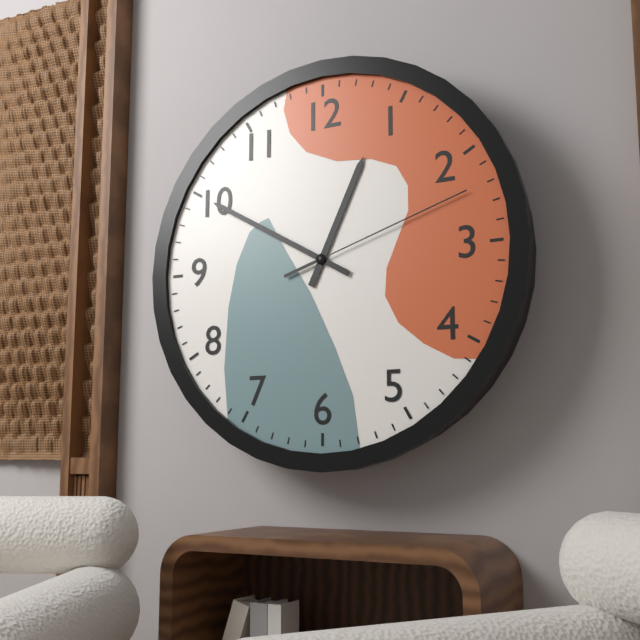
12 h 50 min 12 s
